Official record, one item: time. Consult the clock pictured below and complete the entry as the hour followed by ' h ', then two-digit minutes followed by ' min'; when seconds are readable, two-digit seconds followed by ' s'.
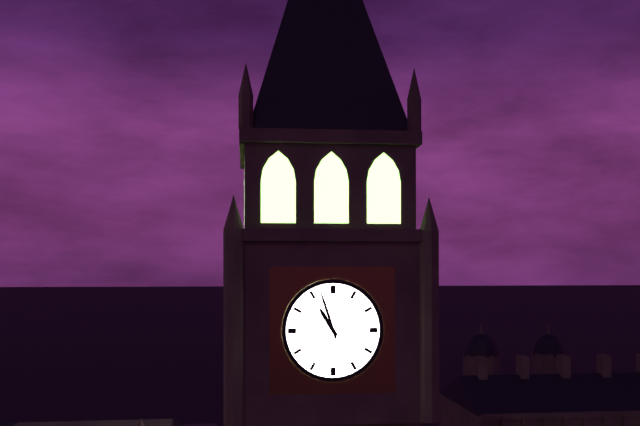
10 h 57 min
